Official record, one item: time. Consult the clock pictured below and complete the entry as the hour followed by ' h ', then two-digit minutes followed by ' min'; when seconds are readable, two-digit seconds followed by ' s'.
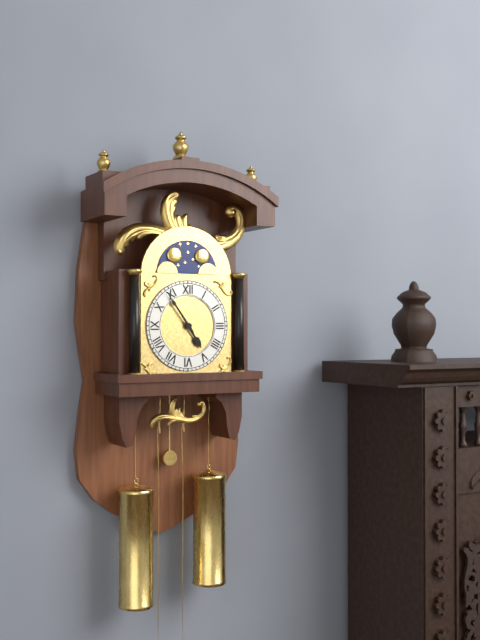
4 h 54 min
